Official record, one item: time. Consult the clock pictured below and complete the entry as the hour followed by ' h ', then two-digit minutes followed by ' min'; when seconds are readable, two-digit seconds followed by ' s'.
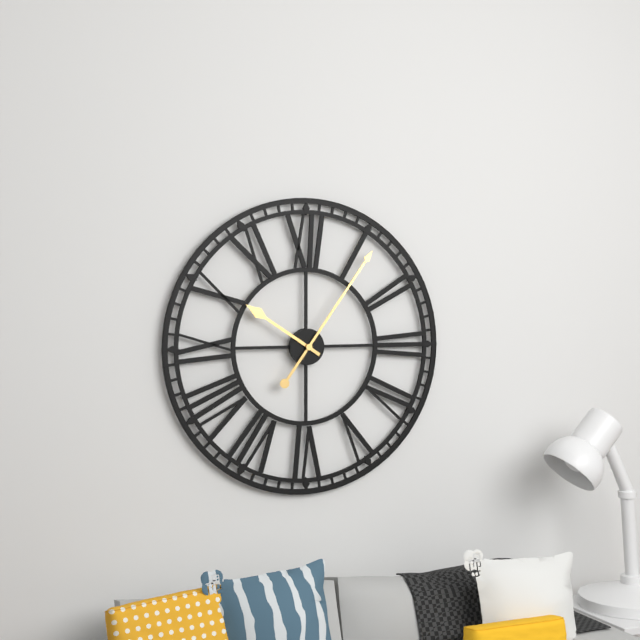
10 h 06 min
